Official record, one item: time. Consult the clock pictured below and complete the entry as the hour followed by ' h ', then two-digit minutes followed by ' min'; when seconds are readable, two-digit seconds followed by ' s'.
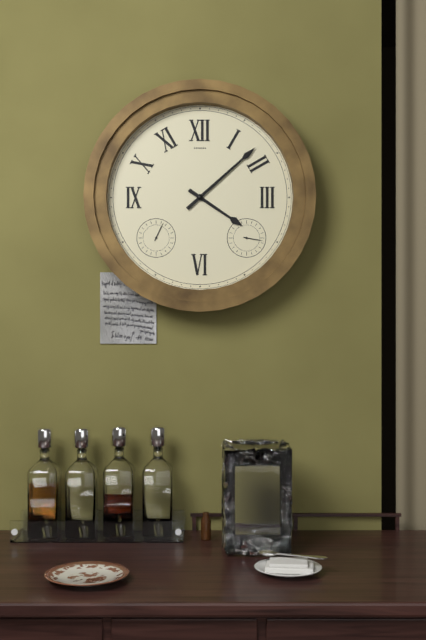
4 h 08 min
